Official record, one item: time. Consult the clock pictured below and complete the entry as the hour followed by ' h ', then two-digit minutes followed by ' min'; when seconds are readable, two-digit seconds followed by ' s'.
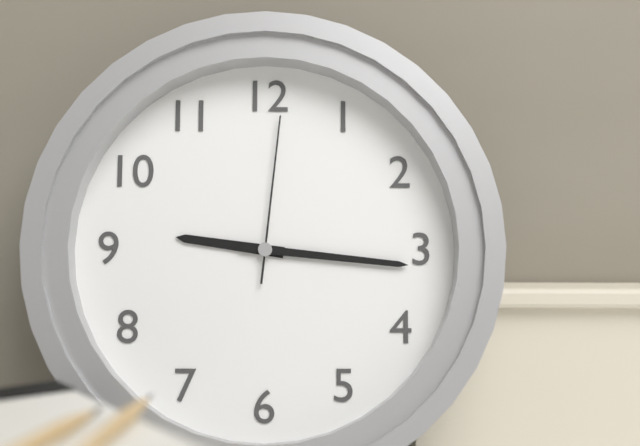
9 h 16 min 01 s
